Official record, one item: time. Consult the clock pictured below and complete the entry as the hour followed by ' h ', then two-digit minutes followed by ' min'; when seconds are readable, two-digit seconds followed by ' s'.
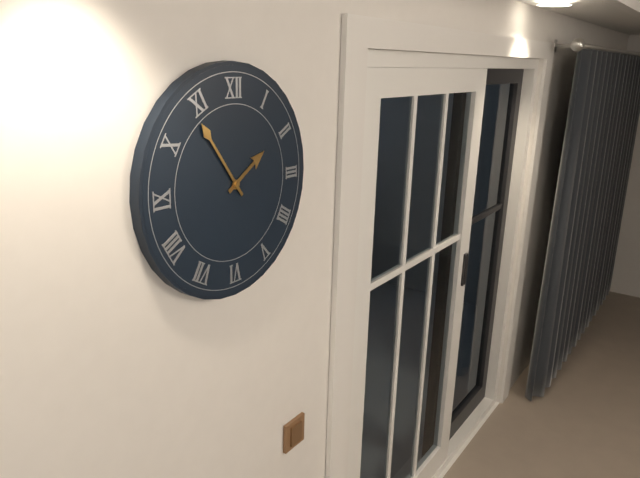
1 h 54 min
